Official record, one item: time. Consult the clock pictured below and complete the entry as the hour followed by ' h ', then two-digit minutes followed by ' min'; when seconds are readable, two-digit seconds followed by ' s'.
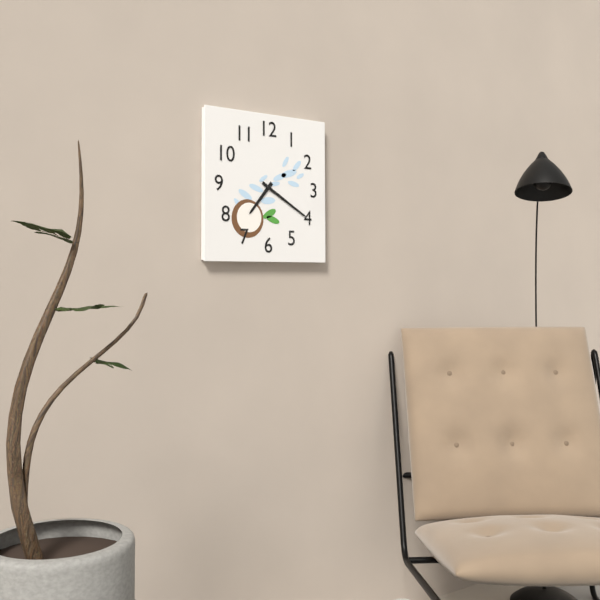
7 h 20 min
